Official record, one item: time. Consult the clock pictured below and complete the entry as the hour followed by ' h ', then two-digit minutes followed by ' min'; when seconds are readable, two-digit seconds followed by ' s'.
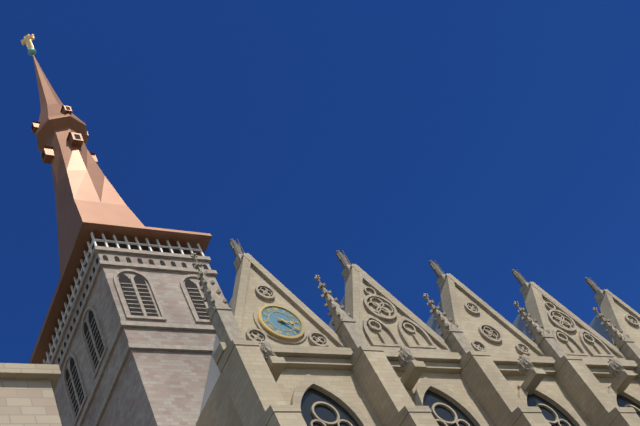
3 h 22 min
